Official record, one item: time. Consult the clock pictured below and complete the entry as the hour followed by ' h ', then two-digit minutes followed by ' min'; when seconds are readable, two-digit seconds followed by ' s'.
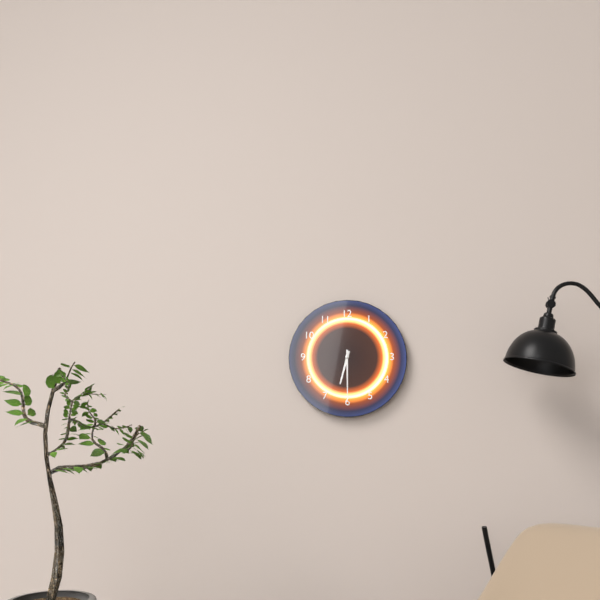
6 h 30 min
